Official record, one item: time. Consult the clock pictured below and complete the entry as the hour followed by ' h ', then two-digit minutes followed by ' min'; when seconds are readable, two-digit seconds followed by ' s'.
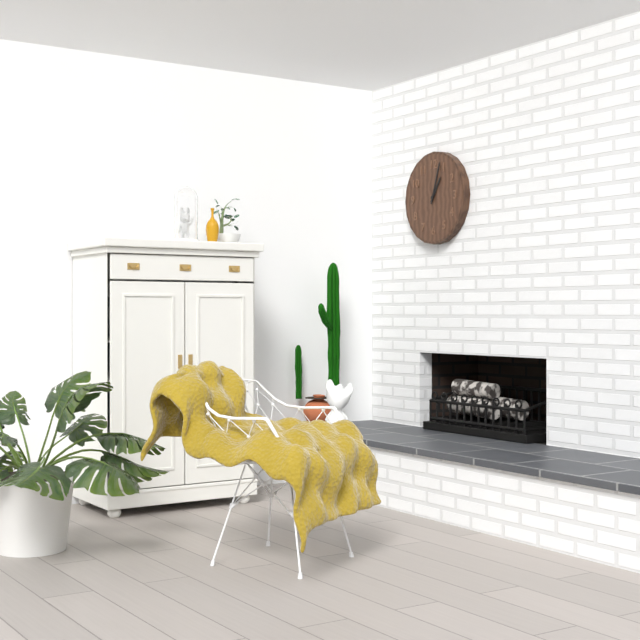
1 h 03 min
